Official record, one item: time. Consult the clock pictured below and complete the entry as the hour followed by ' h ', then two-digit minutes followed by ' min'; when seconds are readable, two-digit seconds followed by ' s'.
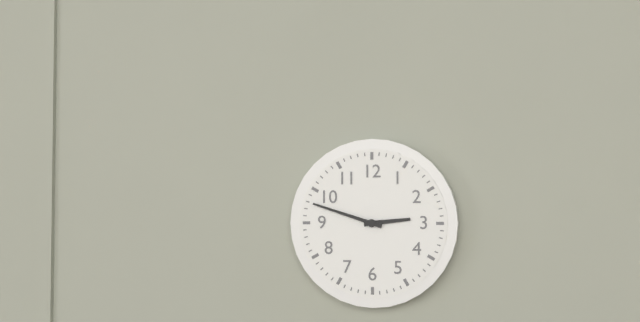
2 h 48 min
